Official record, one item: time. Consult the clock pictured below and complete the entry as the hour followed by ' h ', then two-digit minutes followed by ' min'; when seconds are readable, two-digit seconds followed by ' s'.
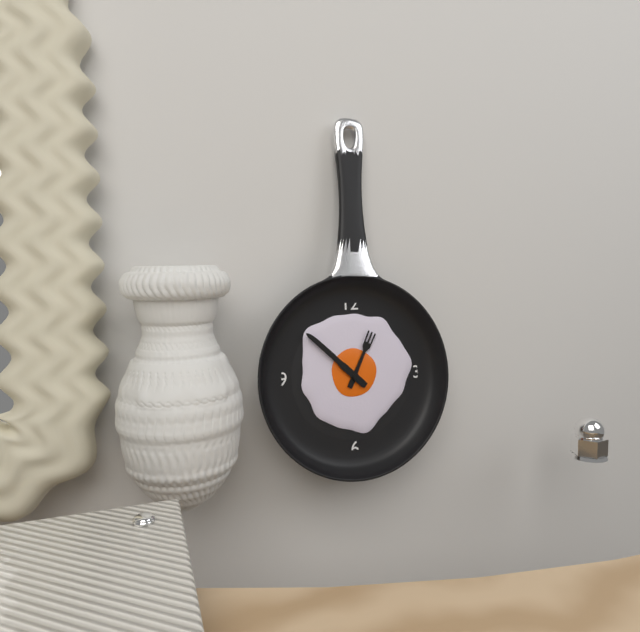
12 h 52 min
